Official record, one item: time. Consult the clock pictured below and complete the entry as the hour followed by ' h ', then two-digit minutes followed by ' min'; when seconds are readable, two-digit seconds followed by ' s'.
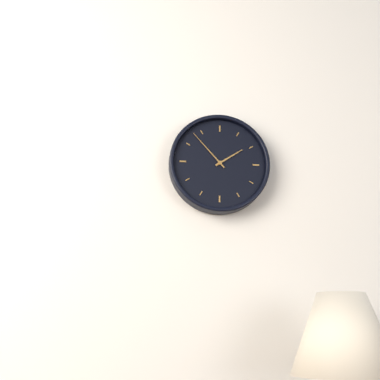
1 h 53 min
